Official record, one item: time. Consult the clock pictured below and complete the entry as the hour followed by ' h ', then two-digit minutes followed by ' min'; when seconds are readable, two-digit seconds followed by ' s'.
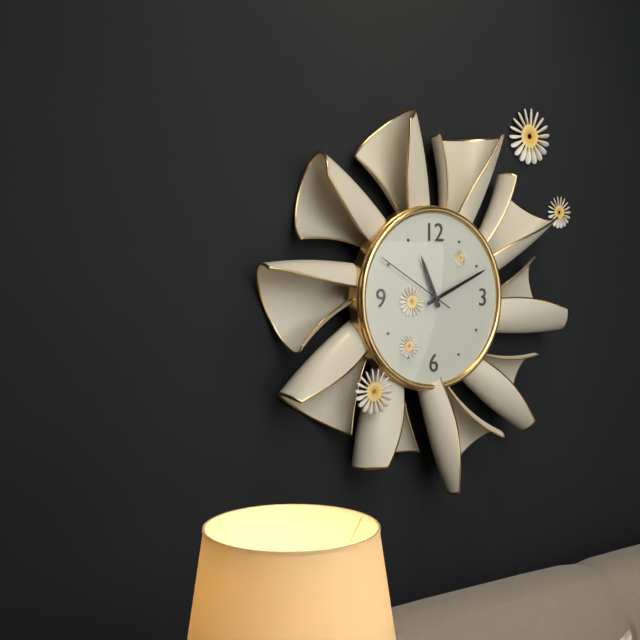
11 h 11 min 50 s
